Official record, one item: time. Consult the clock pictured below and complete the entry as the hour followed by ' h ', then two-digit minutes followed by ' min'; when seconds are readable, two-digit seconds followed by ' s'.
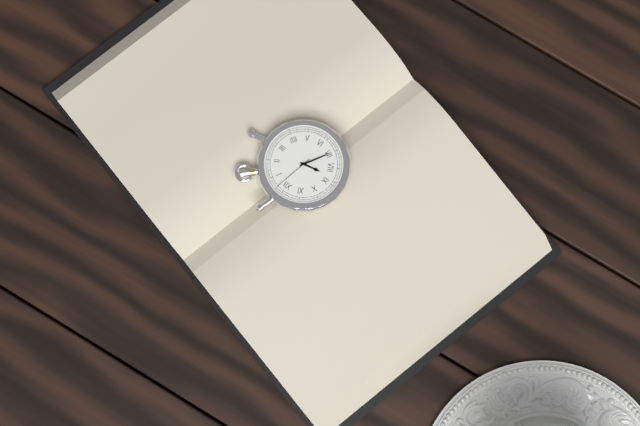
8 h 35 min
